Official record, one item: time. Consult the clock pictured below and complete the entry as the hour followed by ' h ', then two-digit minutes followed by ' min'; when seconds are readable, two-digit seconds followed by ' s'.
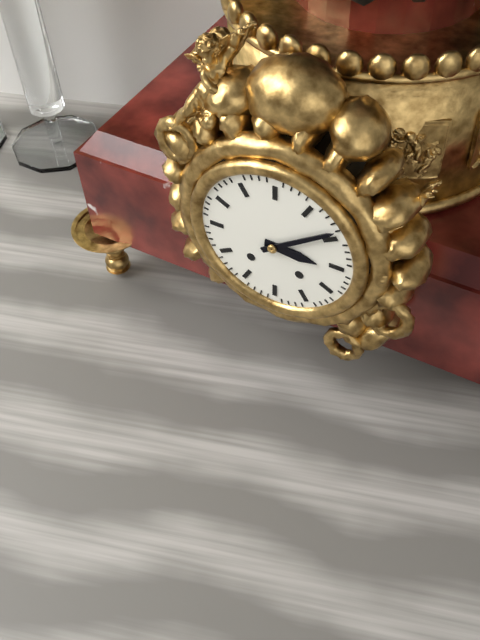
3 h 09 min
